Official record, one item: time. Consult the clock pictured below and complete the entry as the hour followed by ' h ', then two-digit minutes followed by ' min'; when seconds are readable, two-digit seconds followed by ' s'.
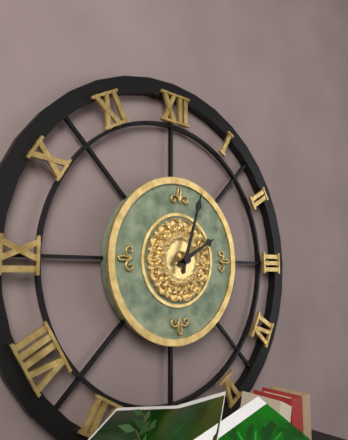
2 h 03 min
